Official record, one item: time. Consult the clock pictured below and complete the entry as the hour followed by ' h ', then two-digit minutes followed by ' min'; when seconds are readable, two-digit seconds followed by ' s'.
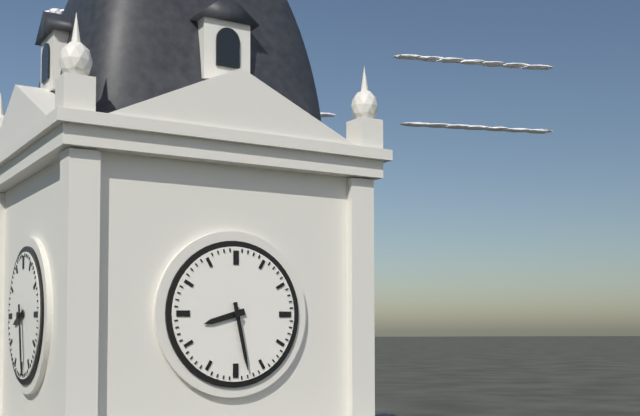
8 h 28 min
